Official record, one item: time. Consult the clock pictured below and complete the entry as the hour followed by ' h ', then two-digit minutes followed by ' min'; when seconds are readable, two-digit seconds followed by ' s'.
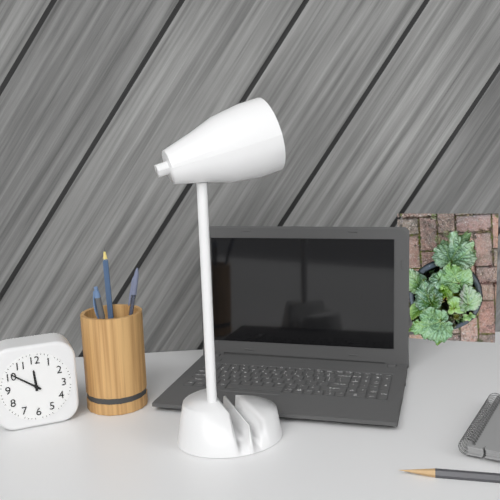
11 h 51 min
